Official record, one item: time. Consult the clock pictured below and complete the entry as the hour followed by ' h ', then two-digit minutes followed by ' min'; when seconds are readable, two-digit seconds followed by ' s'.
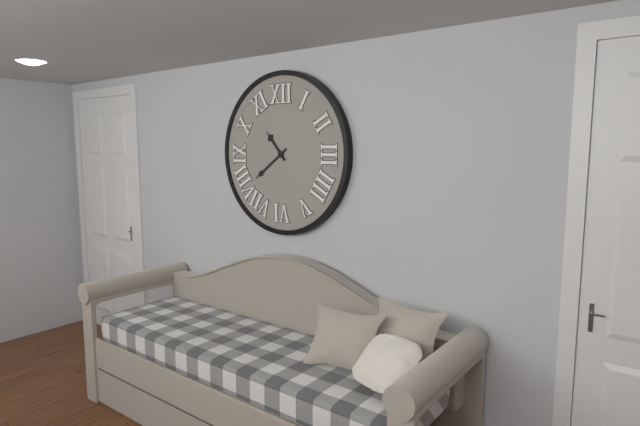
10 h 39 min
